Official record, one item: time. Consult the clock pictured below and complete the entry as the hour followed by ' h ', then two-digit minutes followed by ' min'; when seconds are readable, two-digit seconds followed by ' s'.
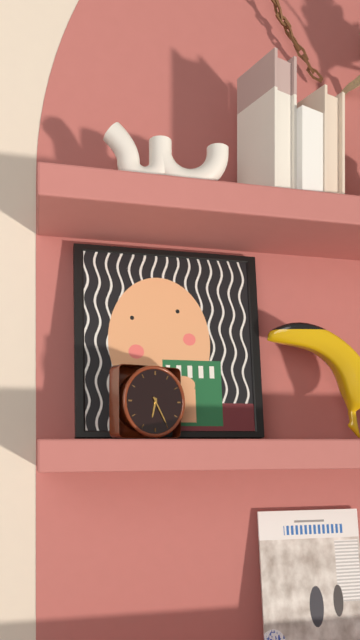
6 h 25 min
